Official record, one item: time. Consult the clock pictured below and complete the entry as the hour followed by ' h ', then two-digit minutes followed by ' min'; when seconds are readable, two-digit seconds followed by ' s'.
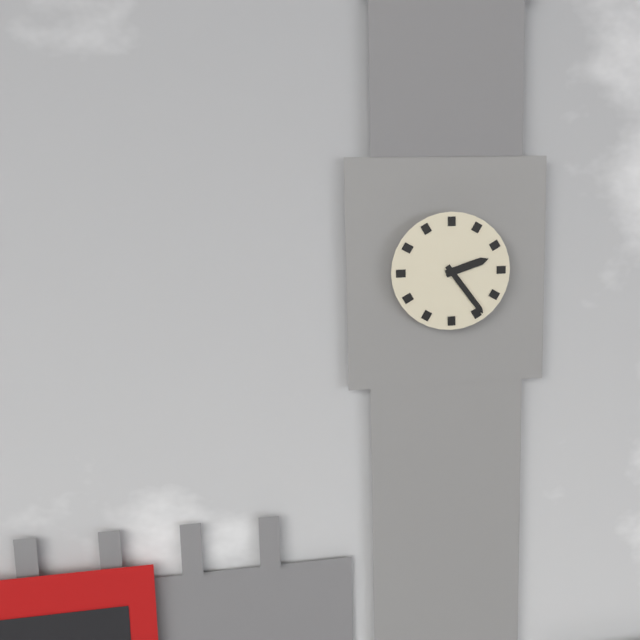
2 h 24 min
